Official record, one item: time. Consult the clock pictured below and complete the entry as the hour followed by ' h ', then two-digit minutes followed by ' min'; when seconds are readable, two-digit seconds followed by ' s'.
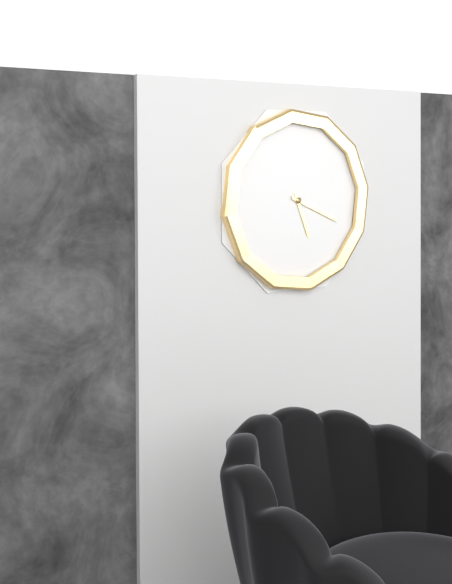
5 h 19 min
